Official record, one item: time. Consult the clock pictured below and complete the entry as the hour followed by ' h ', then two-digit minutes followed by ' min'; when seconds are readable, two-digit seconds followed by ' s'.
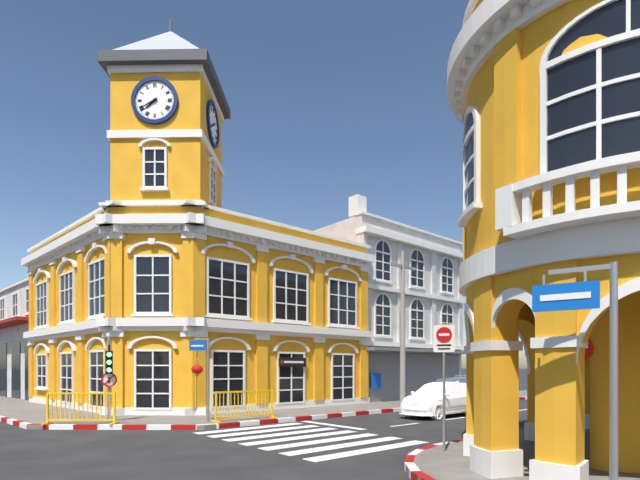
7 h 40 min
